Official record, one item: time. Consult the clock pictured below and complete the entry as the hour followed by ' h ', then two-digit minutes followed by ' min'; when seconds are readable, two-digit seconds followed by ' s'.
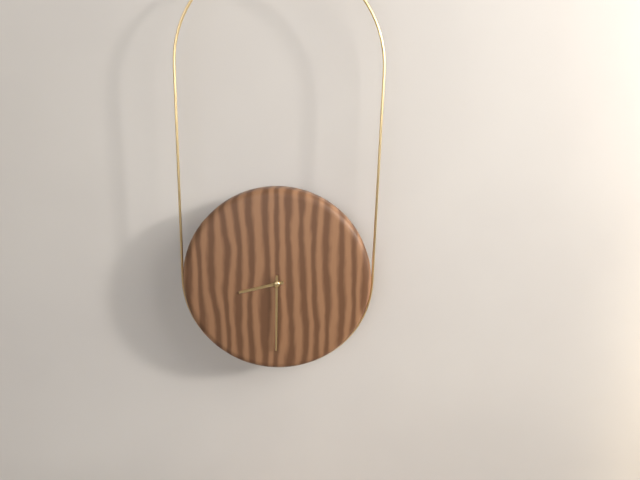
8 h 30 min
